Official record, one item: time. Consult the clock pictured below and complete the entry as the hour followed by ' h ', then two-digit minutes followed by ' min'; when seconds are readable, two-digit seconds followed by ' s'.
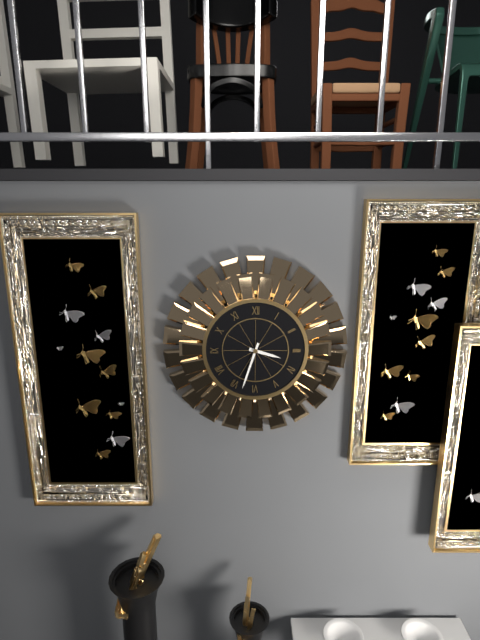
3 h 33 min
